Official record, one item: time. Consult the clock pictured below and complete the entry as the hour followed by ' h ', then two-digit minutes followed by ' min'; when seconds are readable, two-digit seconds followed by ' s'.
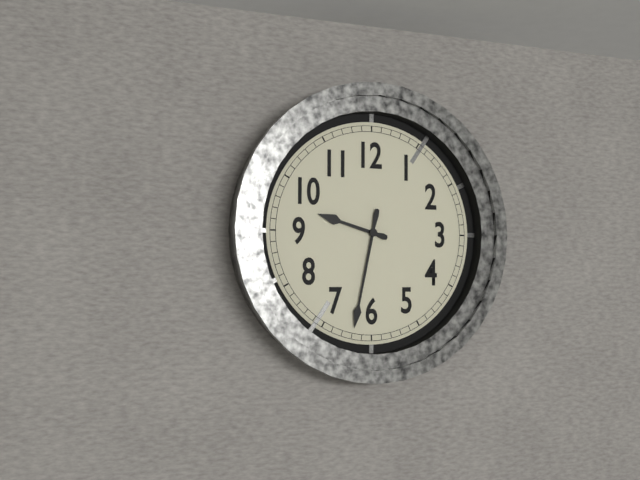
9 h 32 min
